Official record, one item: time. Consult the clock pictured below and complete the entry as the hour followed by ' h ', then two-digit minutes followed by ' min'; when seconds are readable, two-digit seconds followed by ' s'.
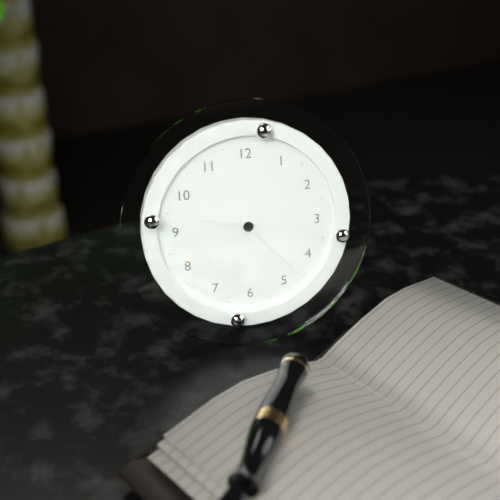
9 h 23 min
